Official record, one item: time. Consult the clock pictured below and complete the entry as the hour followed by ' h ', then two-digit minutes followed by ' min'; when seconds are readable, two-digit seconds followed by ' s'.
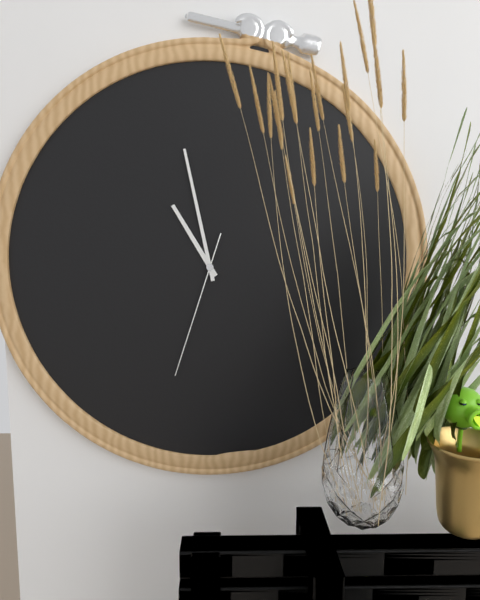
10 h 58 min 33 s
